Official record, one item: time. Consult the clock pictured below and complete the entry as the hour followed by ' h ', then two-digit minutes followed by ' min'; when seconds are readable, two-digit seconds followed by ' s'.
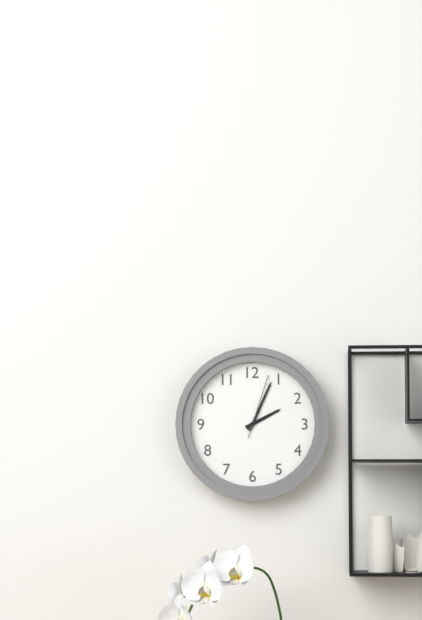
2 h 04 min 03 s
